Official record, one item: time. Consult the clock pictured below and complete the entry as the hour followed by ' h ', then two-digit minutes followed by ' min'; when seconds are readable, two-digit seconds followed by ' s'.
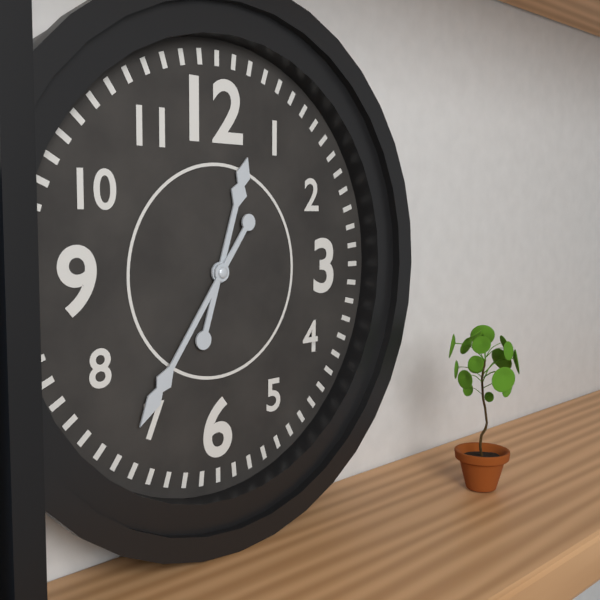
12 h 36 min
